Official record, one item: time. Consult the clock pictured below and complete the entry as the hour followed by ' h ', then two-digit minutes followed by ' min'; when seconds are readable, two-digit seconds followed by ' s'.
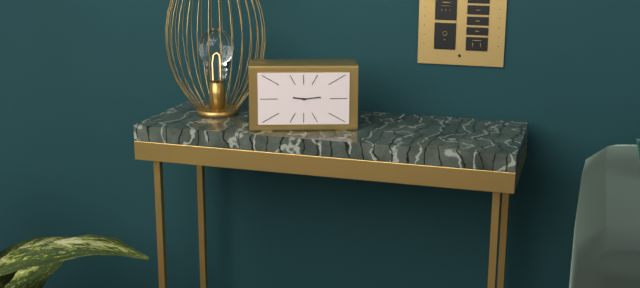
9 h 14 min
